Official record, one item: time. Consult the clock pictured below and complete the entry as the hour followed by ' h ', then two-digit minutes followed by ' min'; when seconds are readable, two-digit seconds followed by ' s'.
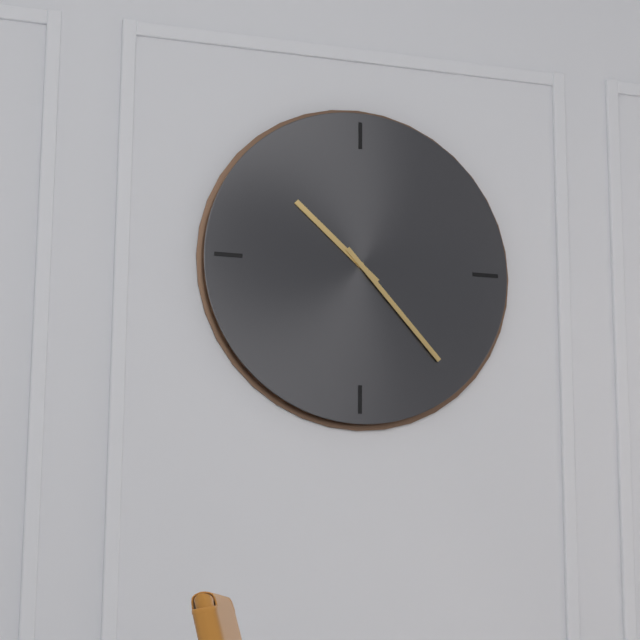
10 h 23 min
